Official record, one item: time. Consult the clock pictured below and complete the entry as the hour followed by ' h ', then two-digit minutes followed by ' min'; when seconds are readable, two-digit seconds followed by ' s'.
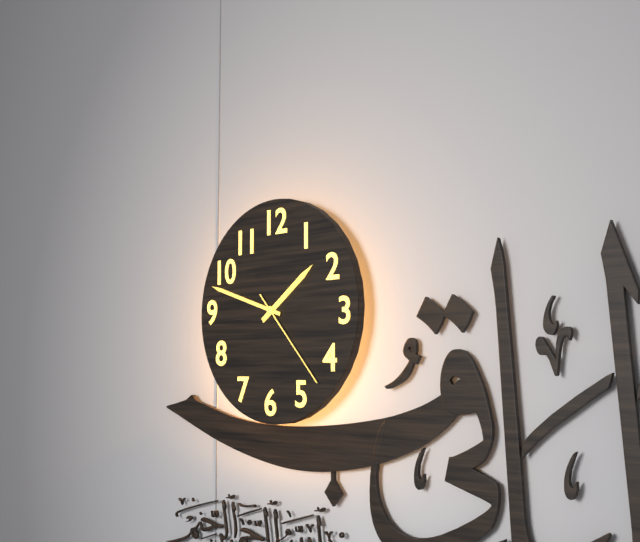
1 h 48 min 23 s
